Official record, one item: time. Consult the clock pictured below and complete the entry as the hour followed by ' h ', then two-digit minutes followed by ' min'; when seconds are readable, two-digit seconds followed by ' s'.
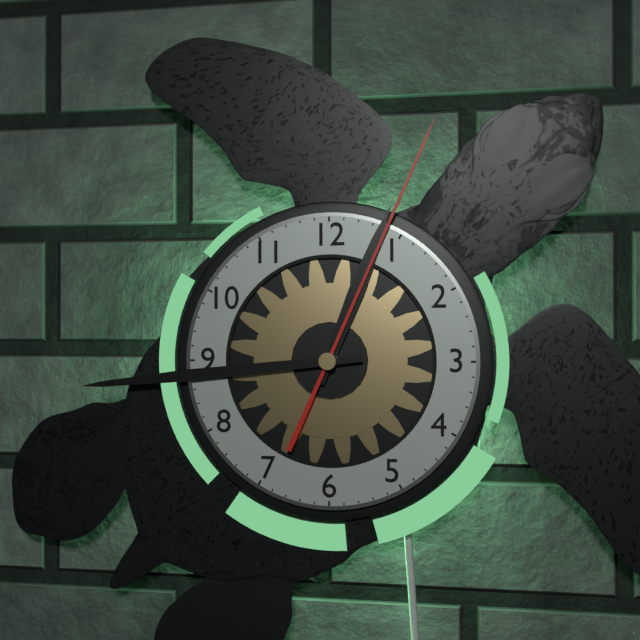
12 h 44 min 04 s
